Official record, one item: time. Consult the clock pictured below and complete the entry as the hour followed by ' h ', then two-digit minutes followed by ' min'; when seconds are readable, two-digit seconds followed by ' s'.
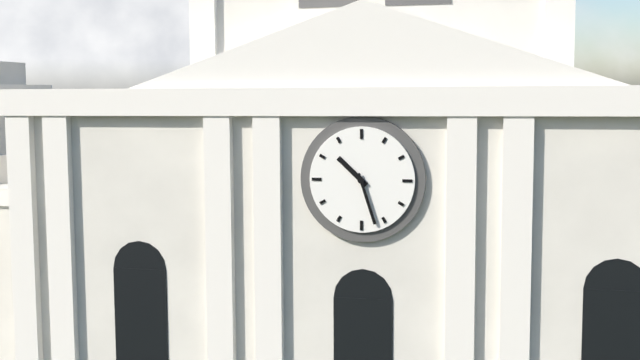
10 h 27 min
